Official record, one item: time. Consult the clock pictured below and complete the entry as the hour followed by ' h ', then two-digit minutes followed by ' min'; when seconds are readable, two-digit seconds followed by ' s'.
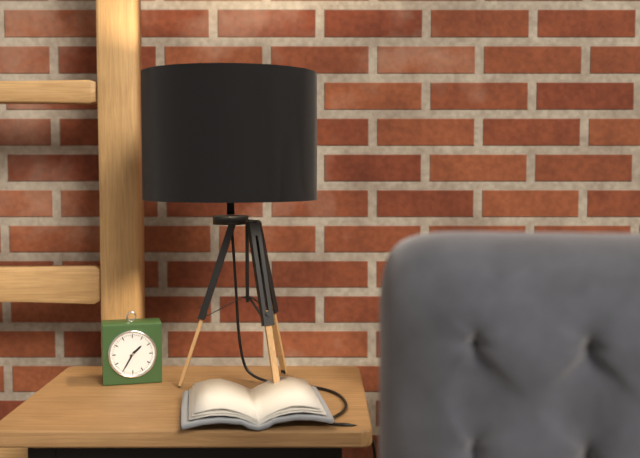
1 h 35 min
